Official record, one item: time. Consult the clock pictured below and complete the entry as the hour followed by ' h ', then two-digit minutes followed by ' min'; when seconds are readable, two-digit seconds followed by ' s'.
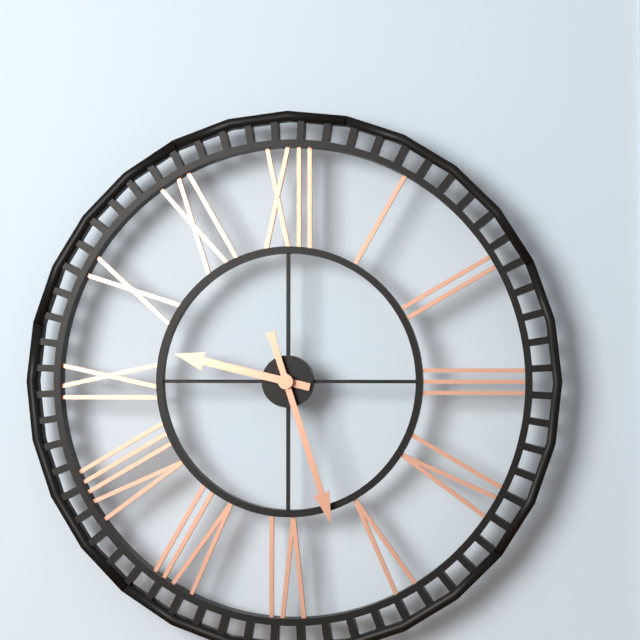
9 h 27 min
